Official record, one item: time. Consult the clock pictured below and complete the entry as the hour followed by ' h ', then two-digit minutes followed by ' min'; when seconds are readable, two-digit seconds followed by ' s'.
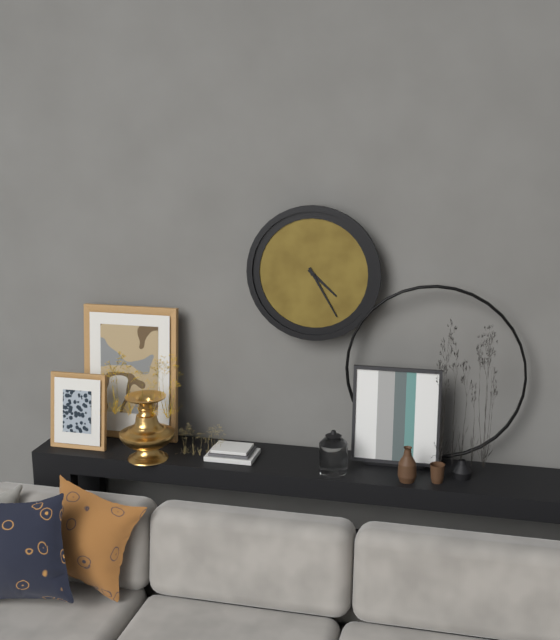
4 h 25 min
